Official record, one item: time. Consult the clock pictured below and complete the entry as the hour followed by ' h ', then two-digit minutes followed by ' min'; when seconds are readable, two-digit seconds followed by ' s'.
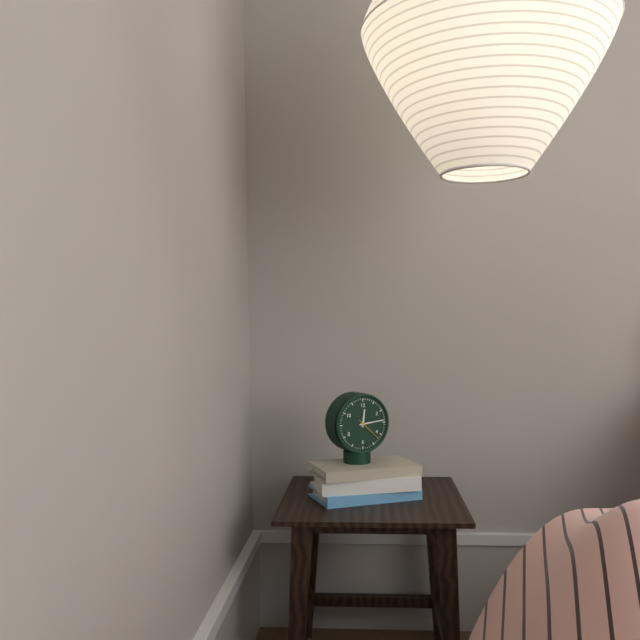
12 h 14 min
